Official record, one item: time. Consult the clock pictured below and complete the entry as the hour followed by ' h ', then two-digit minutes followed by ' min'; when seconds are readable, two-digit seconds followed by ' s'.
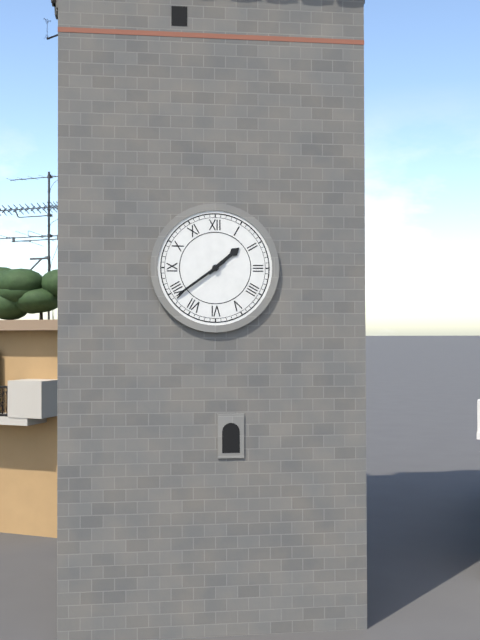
1 h 39 min
